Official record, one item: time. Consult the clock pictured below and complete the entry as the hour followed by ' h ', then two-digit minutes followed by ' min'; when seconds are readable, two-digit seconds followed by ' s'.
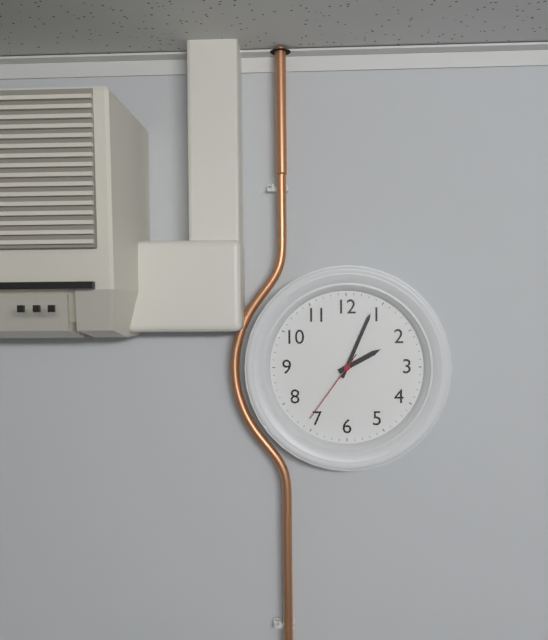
2 h 04 min 36 s
